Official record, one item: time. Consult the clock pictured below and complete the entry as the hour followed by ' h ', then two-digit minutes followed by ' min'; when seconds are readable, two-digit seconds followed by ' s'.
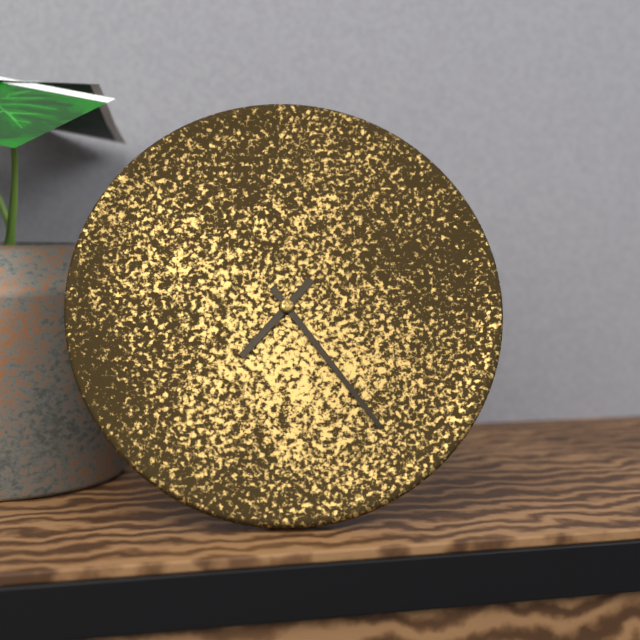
7 h 24 min
